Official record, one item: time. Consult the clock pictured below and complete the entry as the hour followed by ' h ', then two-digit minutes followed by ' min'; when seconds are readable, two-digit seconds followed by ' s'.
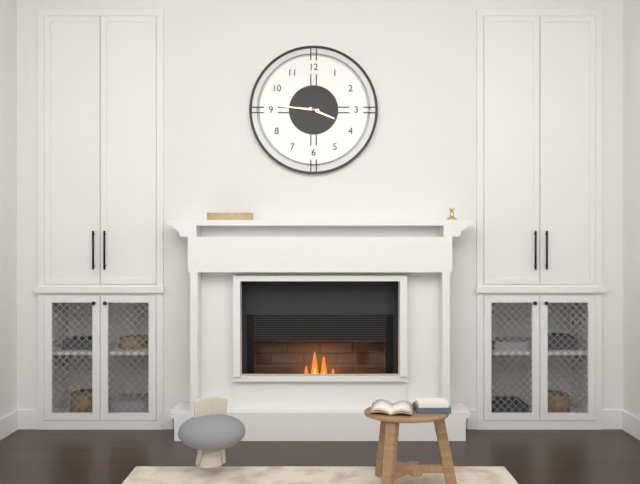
3 h 46 min
